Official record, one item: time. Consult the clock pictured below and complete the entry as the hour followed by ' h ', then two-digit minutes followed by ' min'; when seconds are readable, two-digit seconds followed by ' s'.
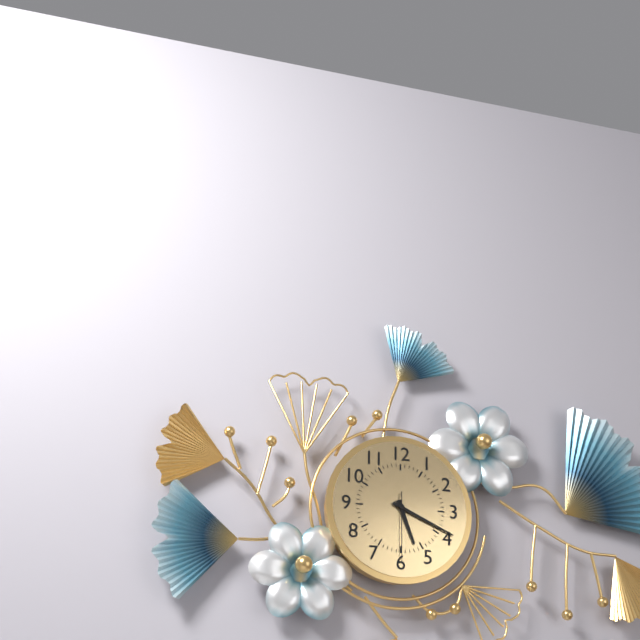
5 h 19 min 30 s
